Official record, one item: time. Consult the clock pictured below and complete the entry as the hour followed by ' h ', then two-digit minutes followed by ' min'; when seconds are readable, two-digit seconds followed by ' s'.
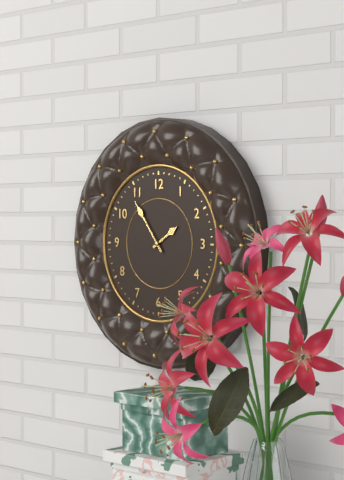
1 h 54 min
